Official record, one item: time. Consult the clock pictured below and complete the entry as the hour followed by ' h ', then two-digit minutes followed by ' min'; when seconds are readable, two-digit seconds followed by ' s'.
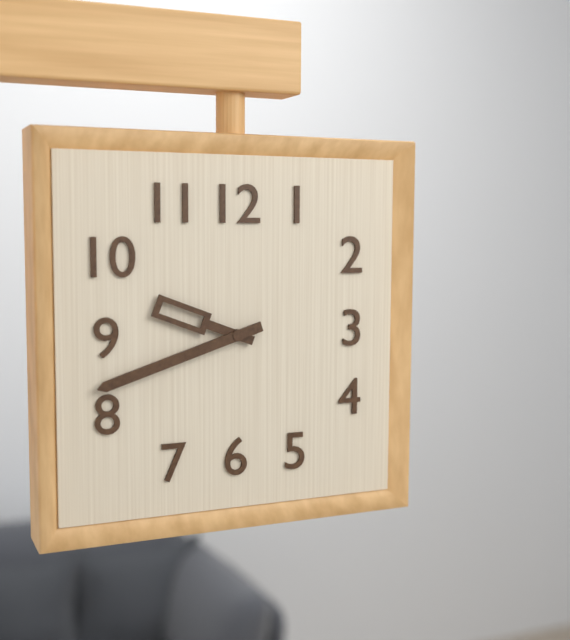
9 h 42 min
